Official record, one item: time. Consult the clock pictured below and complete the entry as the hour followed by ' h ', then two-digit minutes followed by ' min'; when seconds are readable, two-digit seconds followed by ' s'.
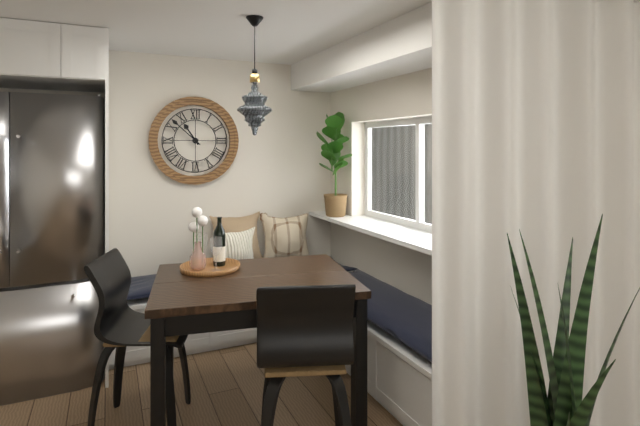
10 h 52 min
